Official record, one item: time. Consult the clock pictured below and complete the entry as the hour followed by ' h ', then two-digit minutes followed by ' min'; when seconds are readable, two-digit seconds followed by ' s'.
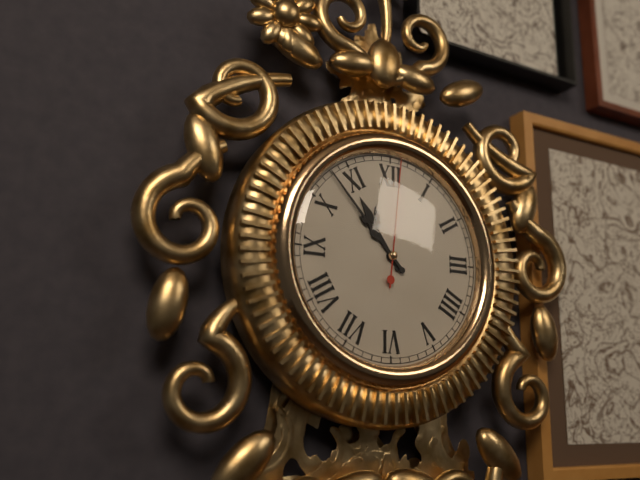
10 h 53 min 01 s
